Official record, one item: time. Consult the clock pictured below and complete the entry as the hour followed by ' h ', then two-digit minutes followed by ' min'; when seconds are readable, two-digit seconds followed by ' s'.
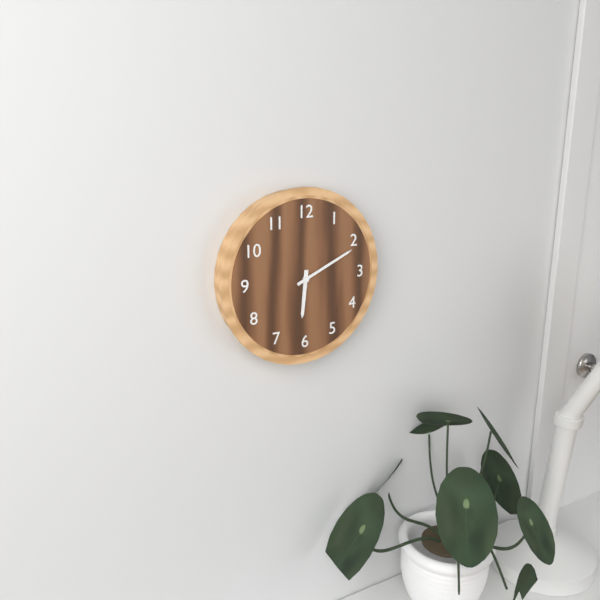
6 h 11 min
